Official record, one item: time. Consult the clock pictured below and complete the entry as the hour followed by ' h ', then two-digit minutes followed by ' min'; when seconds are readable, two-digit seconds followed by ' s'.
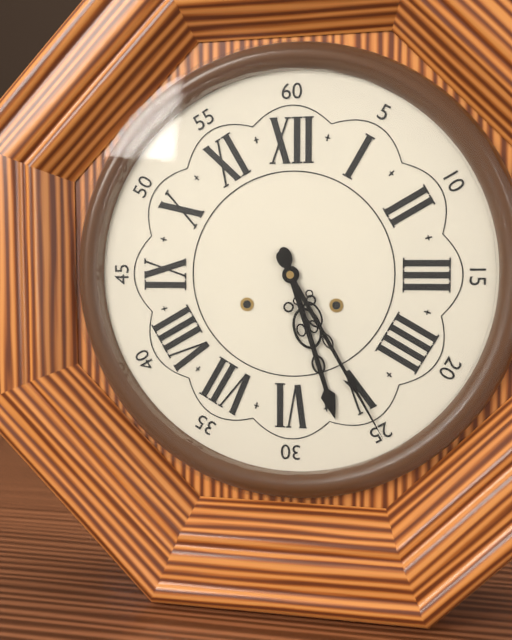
5 h 25 min
